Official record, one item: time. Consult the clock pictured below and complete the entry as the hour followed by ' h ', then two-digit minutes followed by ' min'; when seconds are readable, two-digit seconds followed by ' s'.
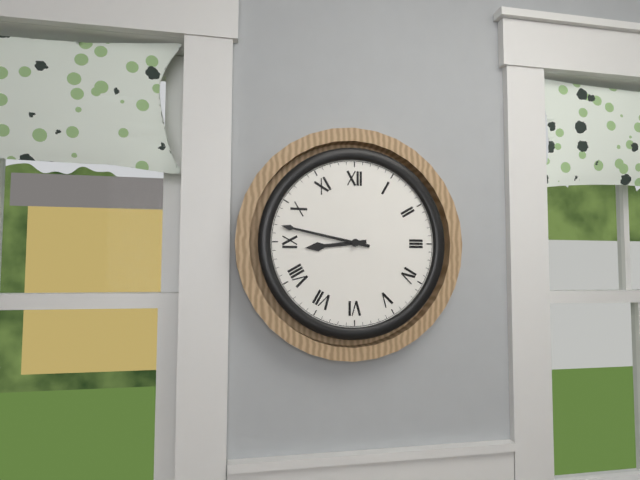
8 h 47 min
